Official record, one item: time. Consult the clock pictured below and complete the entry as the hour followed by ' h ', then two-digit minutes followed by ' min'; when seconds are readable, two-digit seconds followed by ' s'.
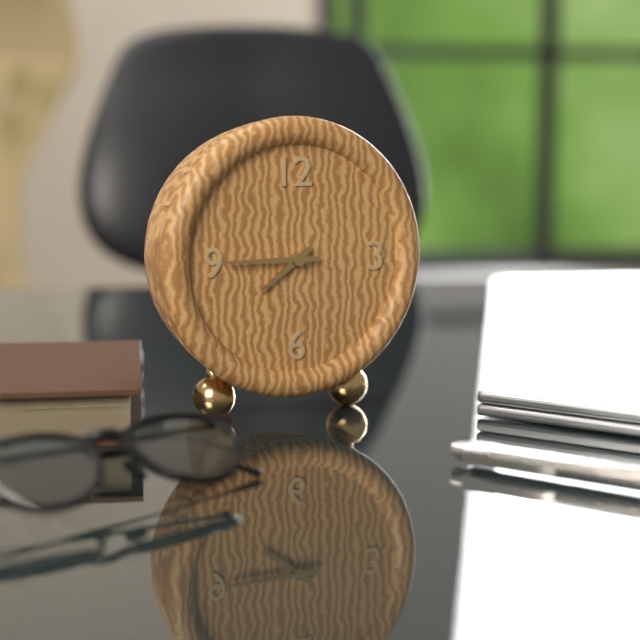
7 h 45 min
